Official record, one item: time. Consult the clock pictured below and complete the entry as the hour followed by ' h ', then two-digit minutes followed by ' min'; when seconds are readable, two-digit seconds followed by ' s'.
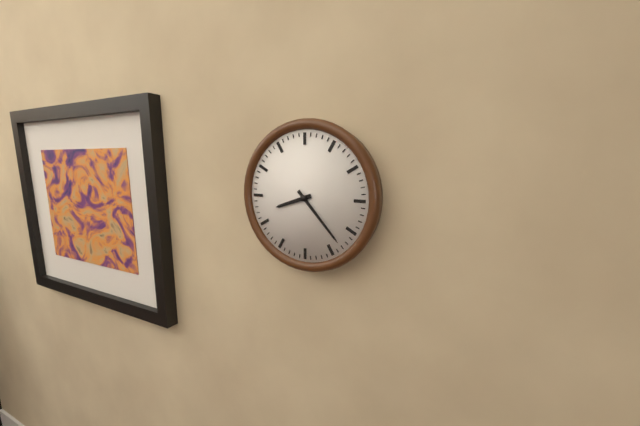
8 h 23 min
